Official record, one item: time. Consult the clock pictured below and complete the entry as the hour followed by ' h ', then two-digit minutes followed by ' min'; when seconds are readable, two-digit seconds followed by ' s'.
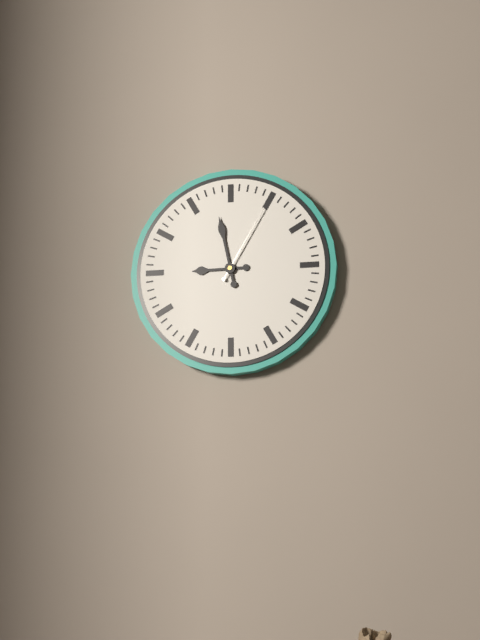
8 h 58 min 05 s
